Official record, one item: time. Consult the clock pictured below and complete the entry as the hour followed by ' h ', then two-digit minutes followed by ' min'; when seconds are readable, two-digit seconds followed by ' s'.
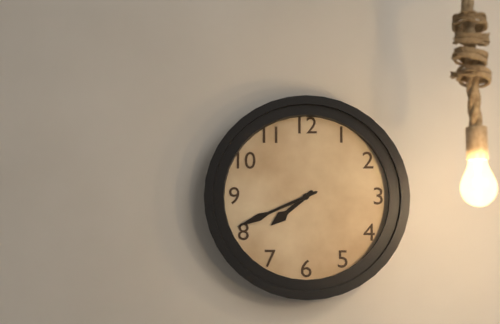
7 h 41 min
